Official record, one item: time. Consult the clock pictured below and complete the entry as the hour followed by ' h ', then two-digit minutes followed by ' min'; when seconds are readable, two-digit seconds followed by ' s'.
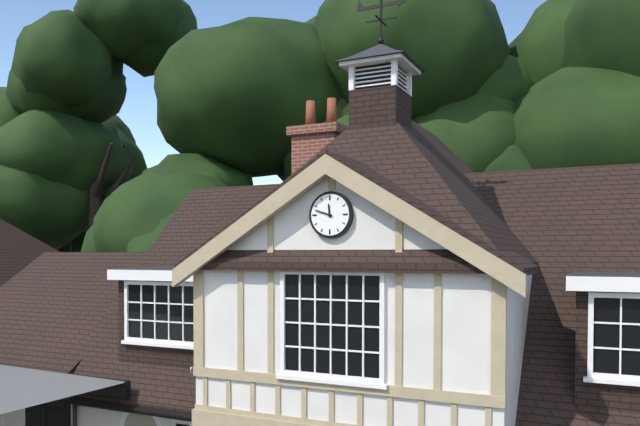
11 h 48 min
